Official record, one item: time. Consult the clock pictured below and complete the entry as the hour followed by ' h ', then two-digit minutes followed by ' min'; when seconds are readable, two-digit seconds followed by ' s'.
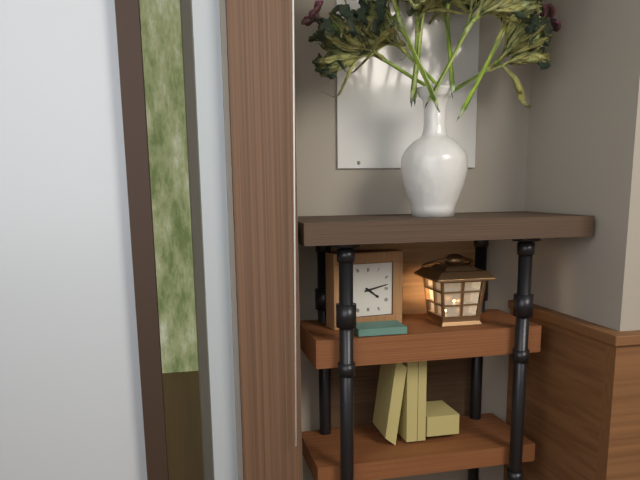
4 h 13 min
